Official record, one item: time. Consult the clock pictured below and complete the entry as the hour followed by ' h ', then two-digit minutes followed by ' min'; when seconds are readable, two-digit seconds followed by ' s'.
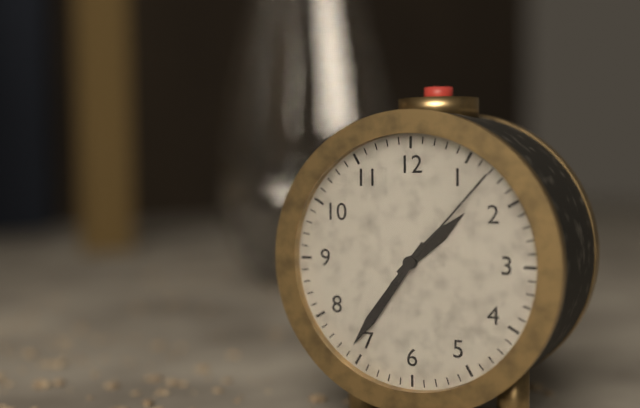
1 h 36 min 07 s
